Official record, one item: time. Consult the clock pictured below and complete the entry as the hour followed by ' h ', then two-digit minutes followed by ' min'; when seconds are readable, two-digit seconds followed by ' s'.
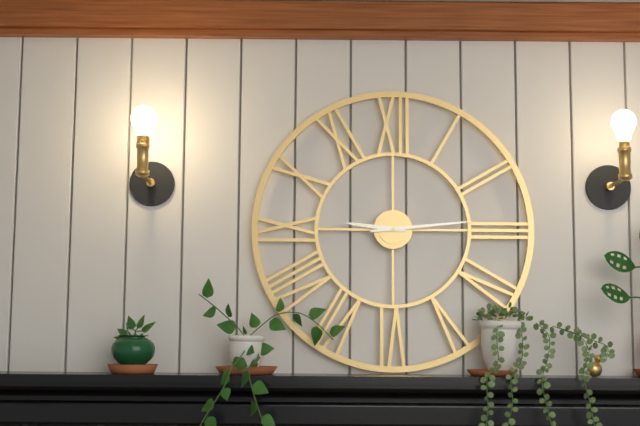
9 h 14 min
